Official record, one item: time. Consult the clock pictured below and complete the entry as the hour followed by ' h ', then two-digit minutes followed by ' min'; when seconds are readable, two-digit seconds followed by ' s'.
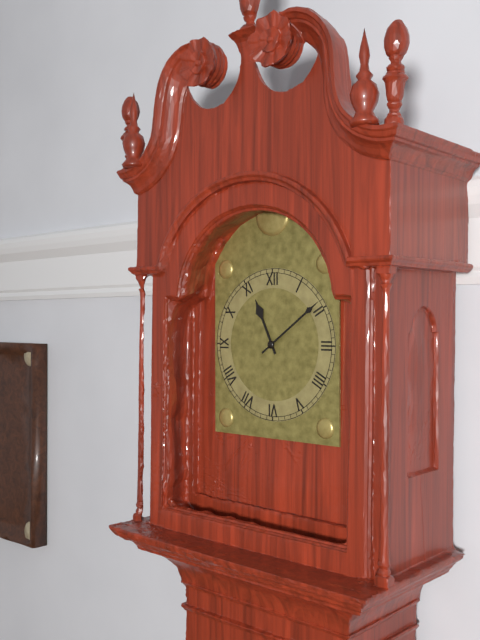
11 h 09 min
